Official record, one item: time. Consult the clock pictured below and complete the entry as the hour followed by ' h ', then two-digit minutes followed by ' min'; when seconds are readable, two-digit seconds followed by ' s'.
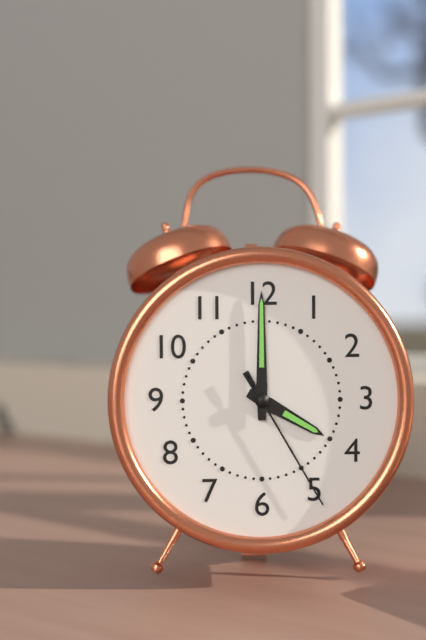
4 h 00 min 25 s
